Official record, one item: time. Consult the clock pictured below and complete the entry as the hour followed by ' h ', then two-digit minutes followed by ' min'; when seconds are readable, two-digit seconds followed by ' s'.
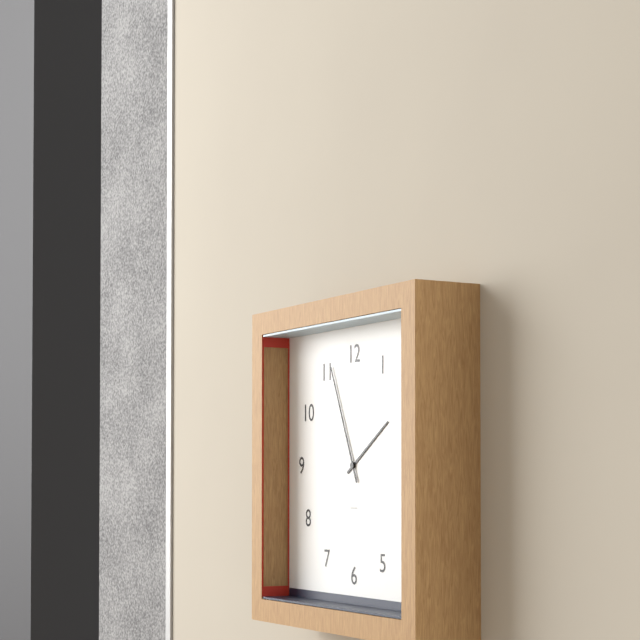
1 h 56 min
